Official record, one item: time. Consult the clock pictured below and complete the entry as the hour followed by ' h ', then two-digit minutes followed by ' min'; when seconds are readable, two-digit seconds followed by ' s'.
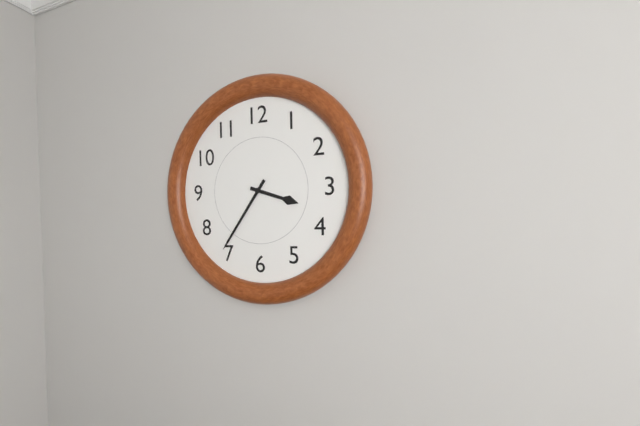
3 h 36 min
